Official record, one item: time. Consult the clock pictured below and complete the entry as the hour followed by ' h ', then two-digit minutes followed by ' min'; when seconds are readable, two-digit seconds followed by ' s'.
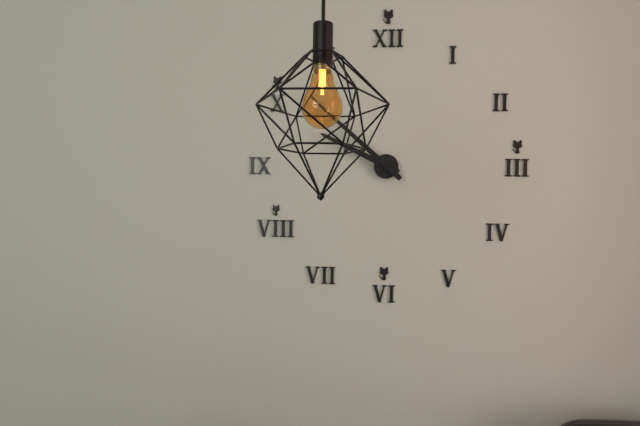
9 h 52 min
